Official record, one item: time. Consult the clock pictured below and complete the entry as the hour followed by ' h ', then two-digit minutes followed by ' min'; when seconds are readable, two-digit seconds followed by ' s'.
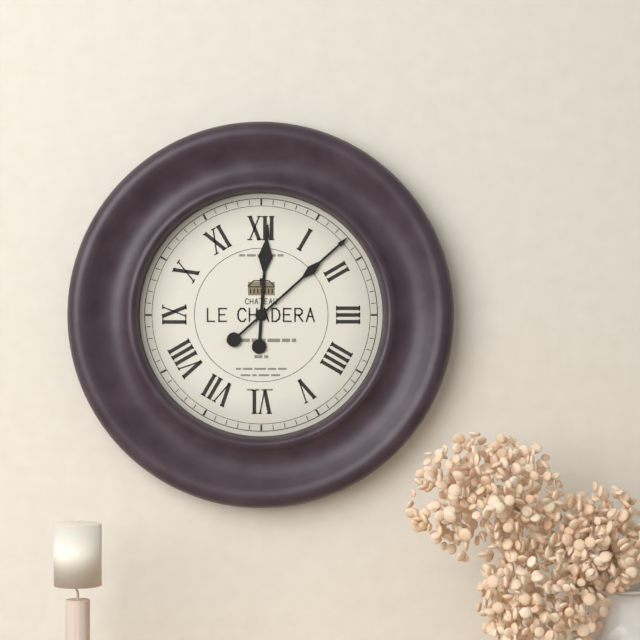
12 h 08 min
